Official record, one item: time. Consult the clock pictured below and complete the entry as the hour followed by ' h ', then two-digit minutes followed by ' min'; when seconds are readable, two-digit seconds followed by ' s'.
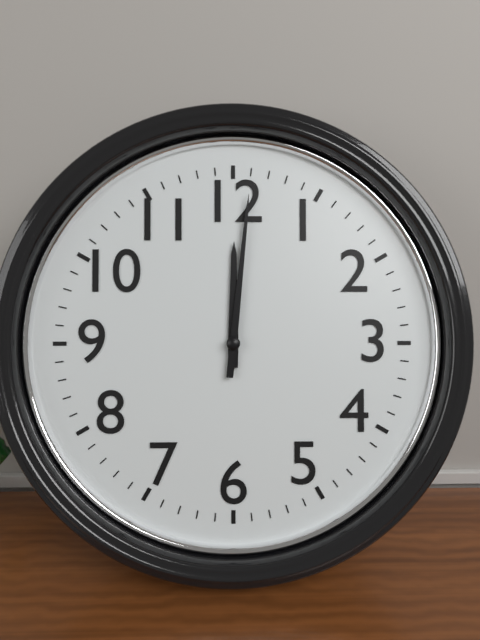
12 h 01 min
